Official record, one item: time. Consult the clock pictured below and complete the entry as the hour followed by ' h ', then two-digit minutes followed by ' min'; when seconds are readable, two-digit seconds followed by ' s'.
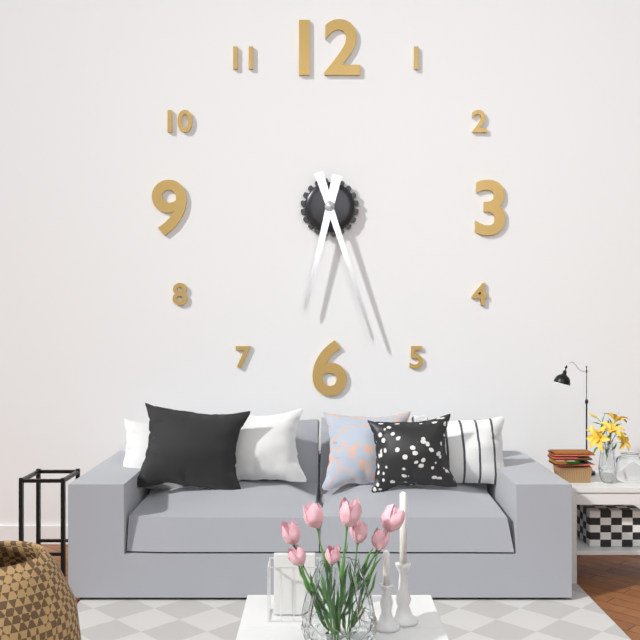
6 h 27 min
